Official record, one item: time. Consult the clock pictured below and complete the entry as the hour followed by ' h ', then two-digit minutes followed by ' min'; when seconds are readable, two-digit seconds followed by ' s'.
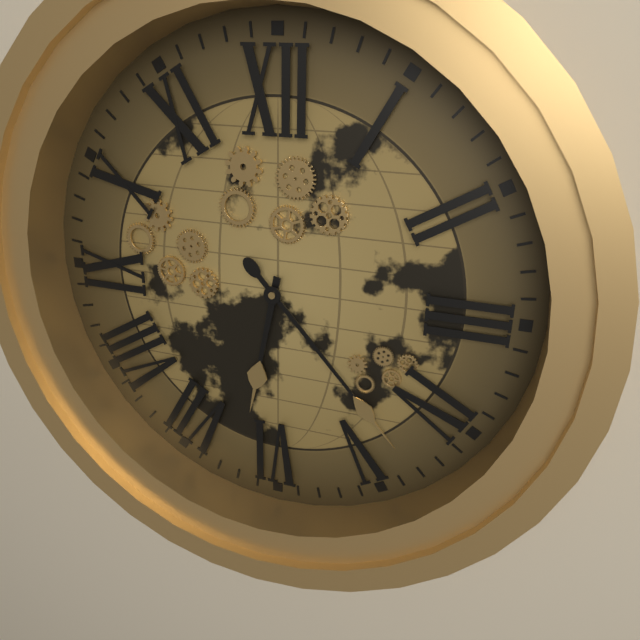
6 h 23 min
